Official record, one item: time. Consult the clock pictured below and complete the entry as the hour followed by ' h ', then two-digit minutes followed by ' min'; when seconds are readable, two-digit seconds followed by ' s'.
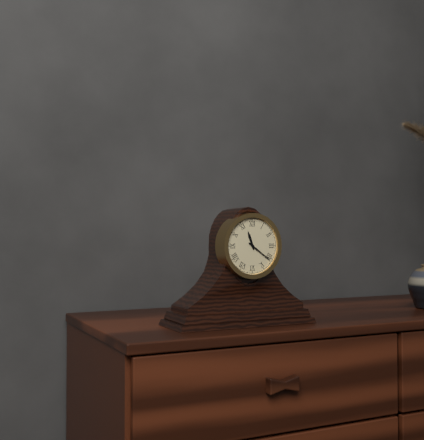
11 h 21 min
